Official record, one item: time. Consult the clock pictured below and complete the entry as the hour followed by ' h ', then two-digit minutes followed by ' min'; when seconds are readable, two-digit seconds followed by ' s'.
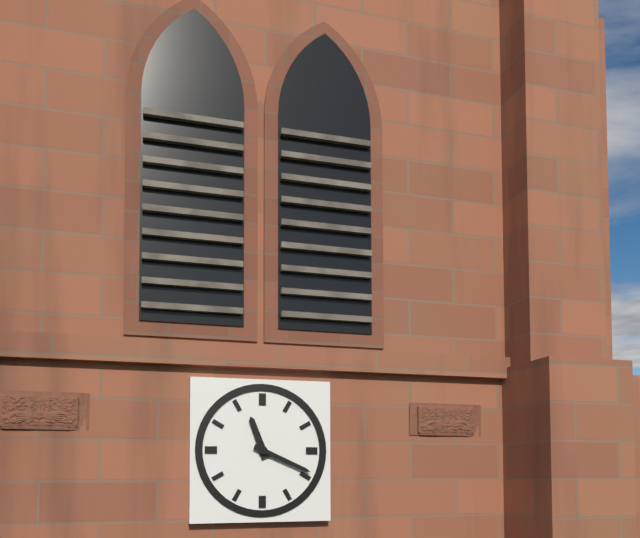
11 h 19 min
